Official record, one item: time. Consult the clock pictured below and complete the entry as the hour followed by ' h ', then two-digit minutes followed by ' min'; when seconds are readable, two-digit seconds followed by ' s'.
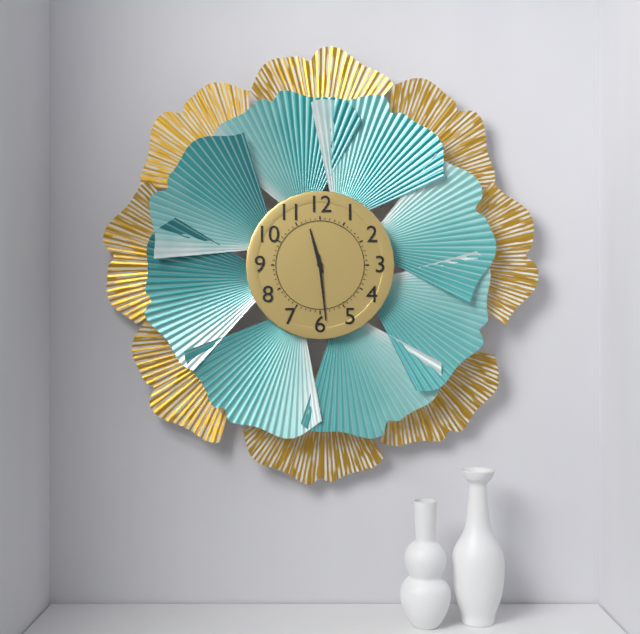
11 h 29 min
